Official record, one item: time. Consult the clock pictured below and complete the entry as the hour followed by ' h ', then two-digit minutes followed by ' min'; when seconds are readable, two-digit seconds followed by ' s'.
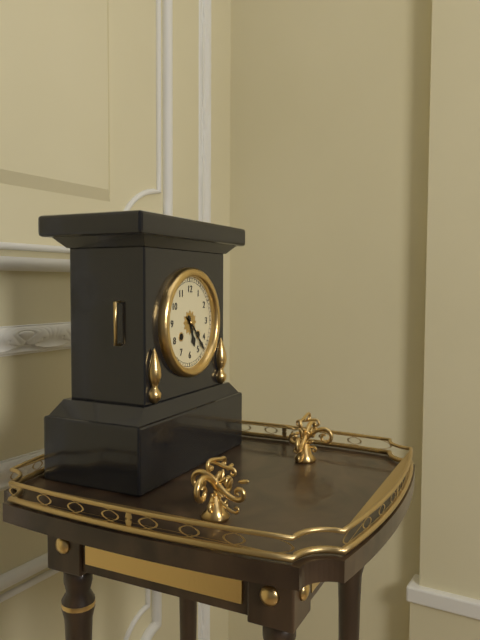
5 h 23 min
